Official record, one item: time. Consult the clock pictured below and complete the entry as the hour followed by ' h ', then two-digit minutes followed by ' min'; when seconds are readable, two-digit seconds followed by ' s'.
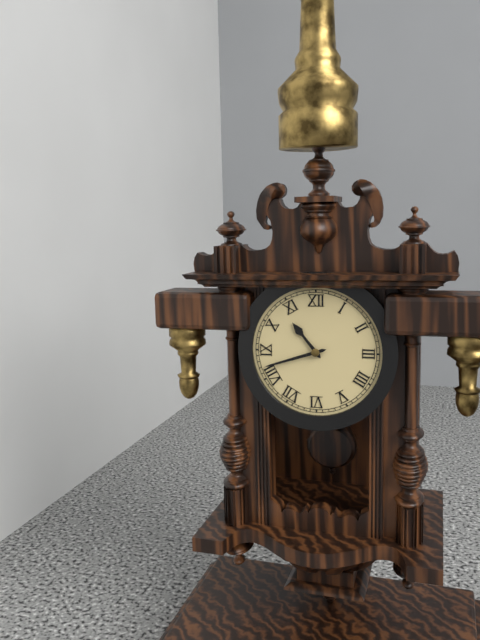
10 h 42 min
